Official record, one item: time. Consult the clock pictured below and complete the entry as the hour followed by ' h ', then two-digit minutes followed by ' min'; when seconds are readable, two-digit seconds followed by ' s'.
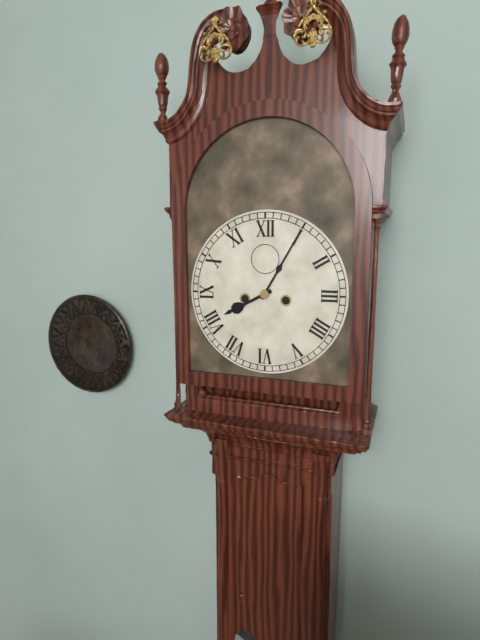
8 h 05 min
